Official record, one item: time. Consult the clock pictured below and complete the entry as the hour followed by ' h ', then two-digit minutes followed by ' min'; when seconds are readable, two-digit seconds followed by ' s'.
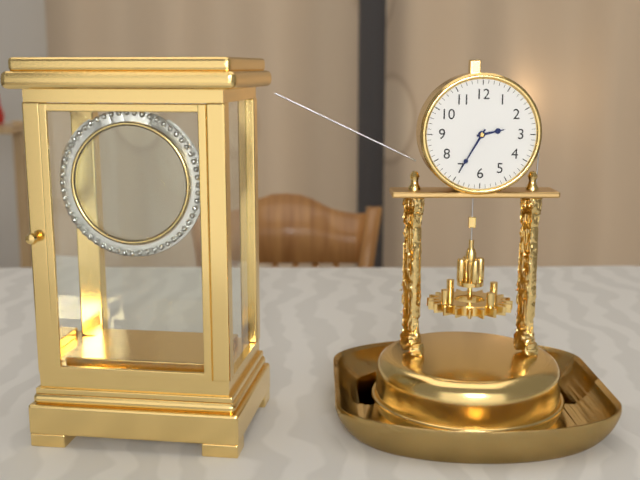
2 h 35 min
